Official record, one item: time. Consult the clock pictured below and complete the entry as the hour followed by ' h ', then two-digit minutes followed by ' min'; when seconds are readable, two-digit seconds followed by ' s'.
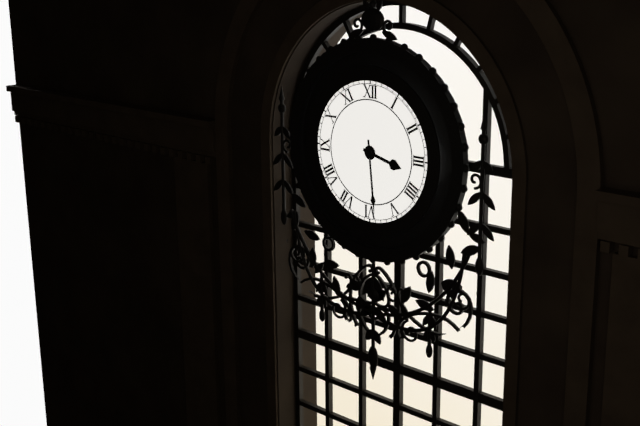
3 h 29 min
